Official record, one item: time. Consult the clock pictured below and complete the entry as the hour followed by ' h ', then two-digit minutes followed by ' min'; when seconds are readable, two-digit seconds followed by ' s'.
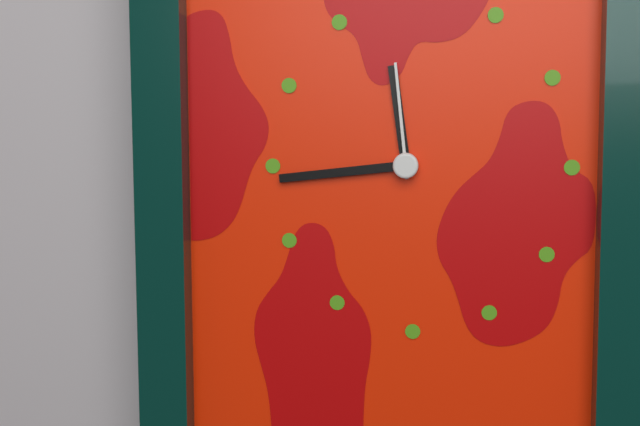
11 h 44 min 59 s
